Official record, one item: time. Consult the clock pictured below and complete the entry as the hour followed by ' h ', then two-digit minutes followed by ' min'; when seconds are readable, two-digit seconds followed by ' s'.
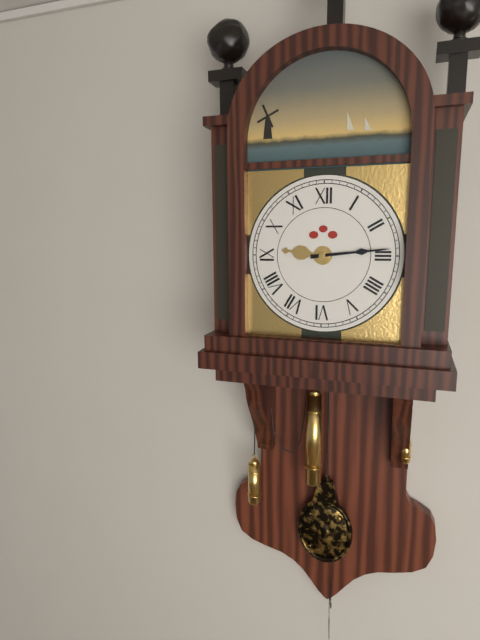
9 h 14 min
